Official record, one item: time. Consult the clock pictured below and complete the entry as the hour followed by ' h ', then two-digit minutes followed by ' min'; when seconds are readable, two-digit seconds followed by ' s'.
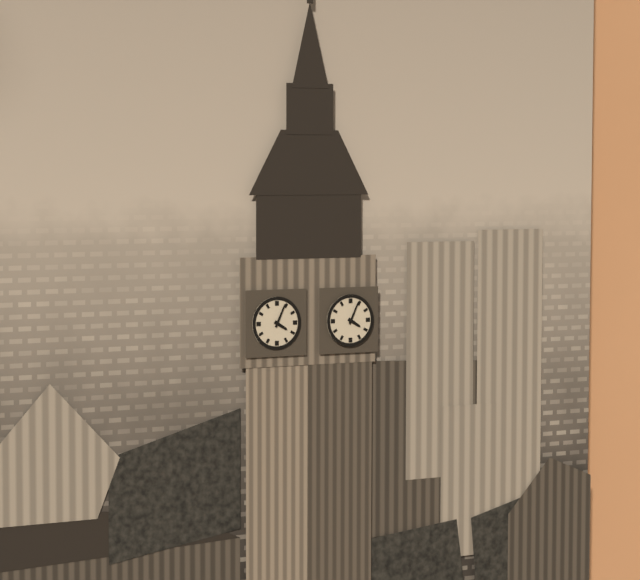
4 h 04 min
